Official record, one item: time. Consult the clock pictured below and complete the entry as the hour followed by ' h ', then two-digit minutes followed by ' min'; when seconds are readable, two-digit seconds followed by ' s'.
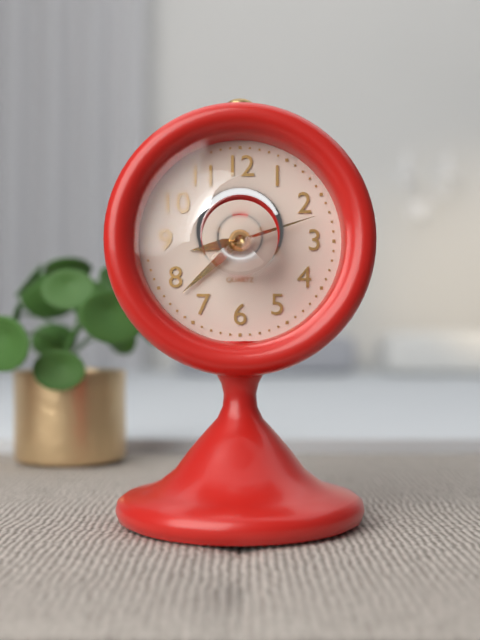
8 h 38 min 12 s
